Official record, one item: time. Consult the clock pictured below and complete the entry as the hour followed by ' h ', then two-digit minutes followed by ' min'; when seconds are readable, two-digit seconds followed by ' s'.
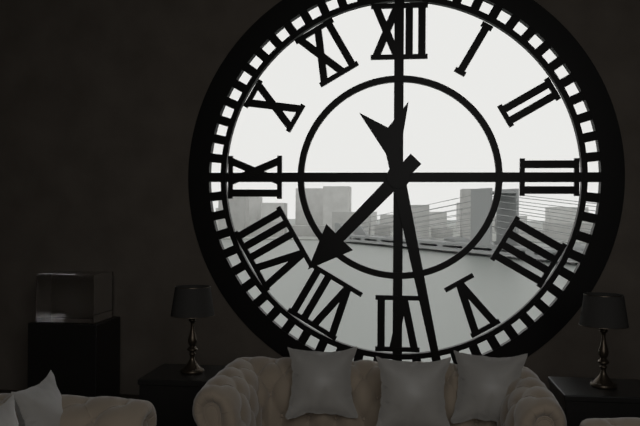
7 h 28 min
